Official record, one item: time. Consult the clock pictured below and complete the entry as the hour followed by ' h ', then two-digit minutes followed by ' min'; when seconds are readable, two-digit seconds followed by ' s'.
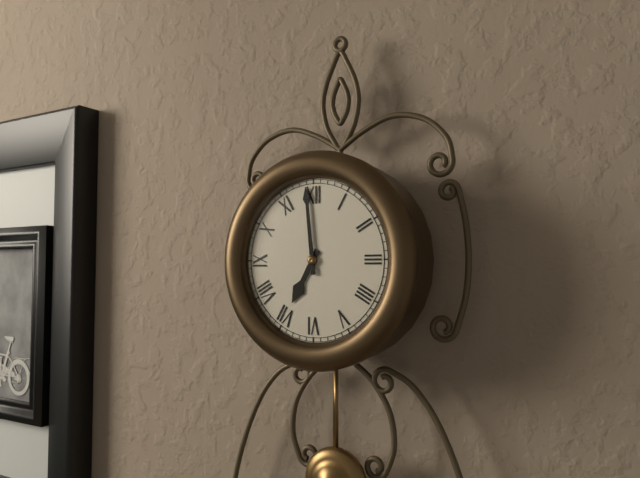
6 h 59 min
